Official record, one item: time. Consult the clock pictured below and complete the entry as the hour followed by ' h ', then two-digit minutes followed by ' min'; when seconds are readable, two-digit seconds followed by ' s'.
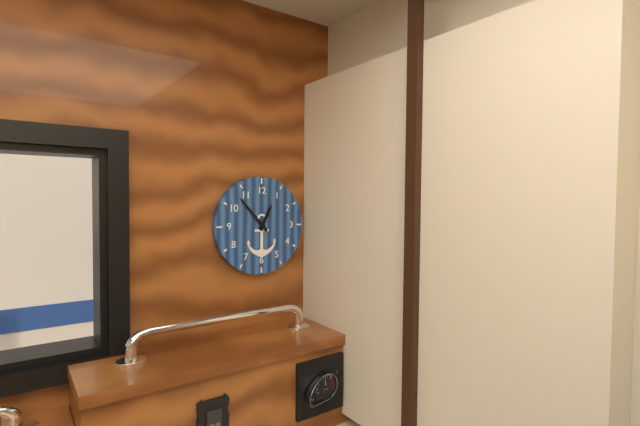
12 h 53 min
